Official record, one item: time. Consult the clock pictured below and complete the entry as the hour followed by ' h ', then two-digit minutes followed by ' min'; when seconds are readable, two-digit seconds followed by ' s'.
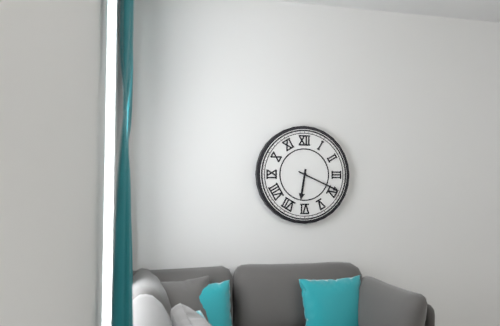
6 h 19 min
